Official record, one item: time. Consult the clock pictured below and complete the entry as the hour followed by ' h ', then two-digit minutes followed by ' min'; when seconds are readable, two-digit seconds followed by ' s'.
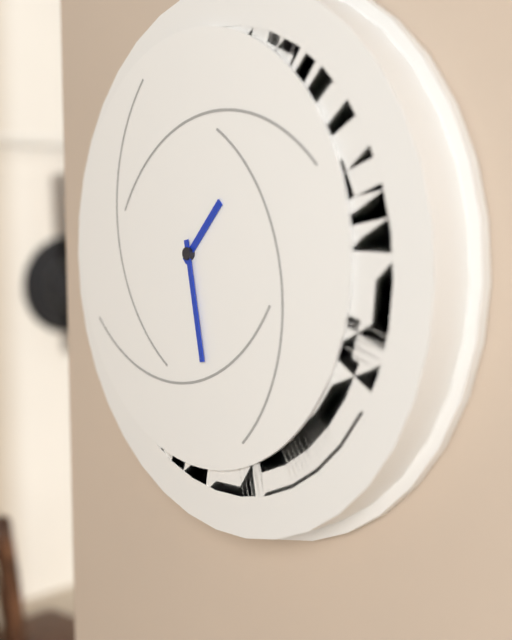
1 h 28 min
